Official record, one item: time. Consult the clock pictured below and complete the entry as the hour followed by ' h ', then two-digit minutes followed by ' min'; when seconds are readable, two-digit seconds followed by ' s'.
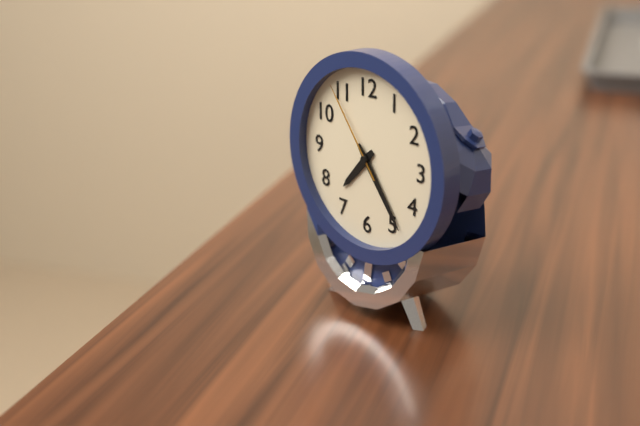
7 h 24 min 54 s
